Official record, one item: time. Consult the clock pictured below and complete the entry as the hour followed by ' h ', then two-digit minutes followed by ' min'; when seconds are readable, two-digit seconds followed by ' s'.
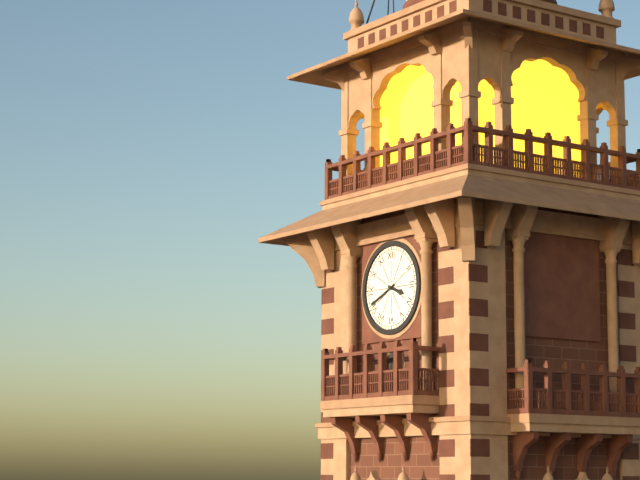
3 h 41 min
